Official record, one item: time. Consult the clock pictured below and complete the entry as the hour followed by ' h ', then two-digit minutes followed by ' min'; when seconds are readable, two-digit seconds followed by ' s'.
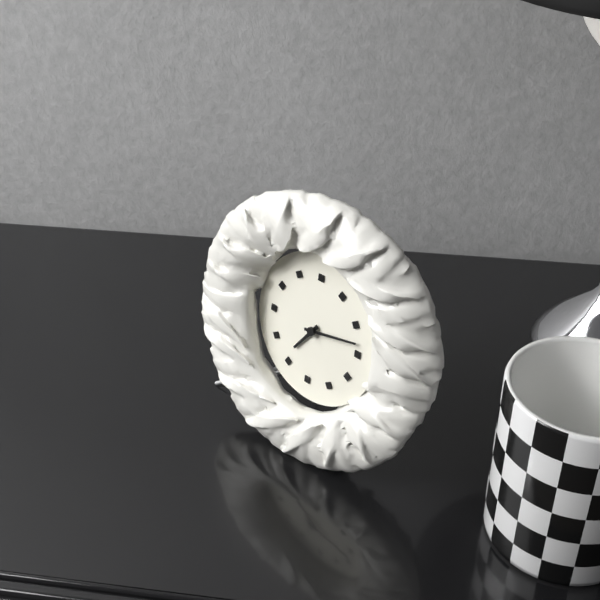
7 h 13 min
